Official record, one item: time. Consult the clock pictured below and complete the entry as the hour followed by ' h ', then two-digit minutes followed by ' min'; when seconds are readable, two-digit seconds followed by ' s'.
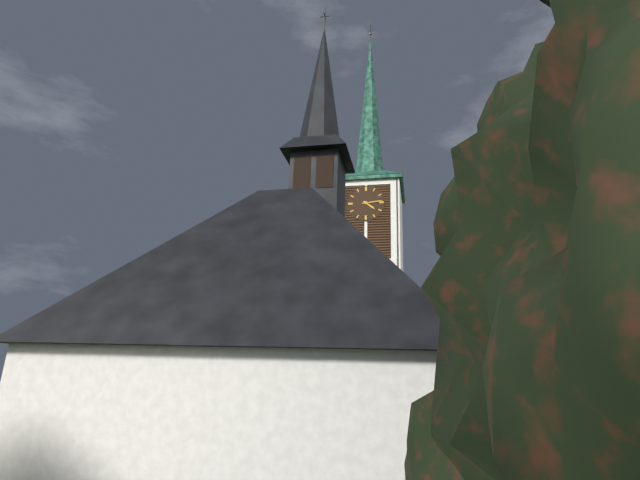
4 h 14 min
